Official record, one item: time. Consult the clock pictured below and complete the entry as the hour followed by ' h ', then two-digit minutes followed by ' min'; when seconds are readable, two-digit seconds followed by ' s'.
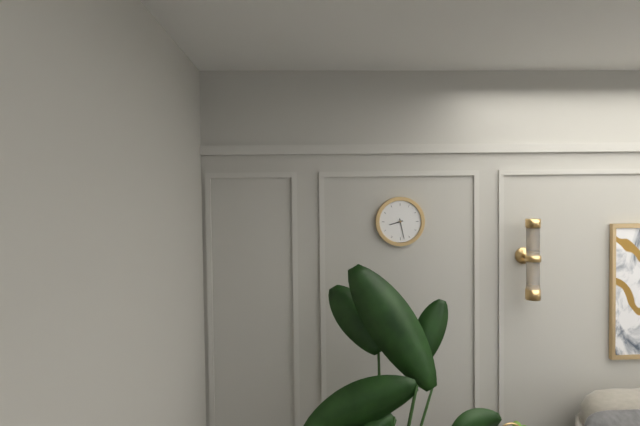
8 h 28 min
